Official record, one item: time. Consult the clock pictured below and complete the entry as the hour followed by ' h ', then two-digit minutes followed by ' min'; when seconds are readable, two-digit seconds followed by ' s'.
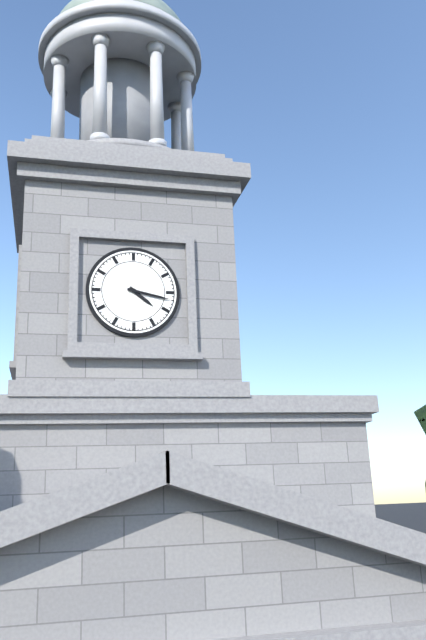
4 h 17 min
